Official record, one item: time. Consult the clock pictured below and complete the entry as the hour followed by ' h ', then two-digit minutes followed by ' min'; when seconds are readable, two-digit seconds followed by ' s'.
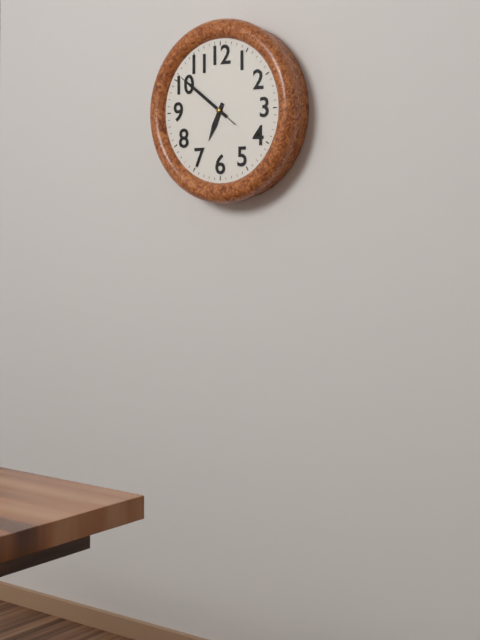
6 h 51 min 51 s
